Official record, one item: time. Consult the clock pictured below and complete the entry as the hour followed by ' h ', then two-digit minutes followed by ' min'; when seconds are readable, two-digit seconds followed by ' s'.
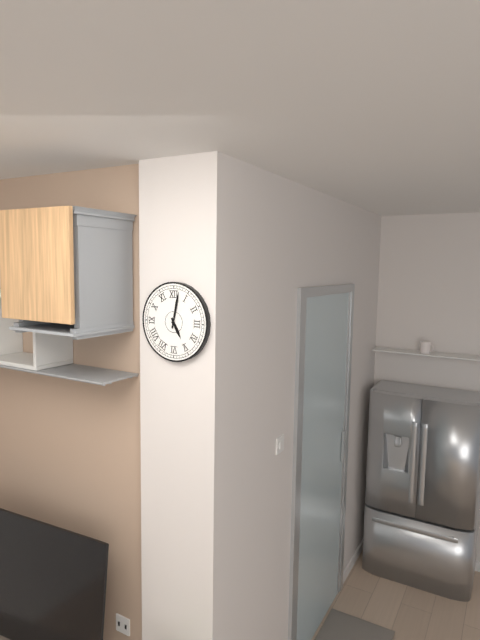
5 h 02 min
